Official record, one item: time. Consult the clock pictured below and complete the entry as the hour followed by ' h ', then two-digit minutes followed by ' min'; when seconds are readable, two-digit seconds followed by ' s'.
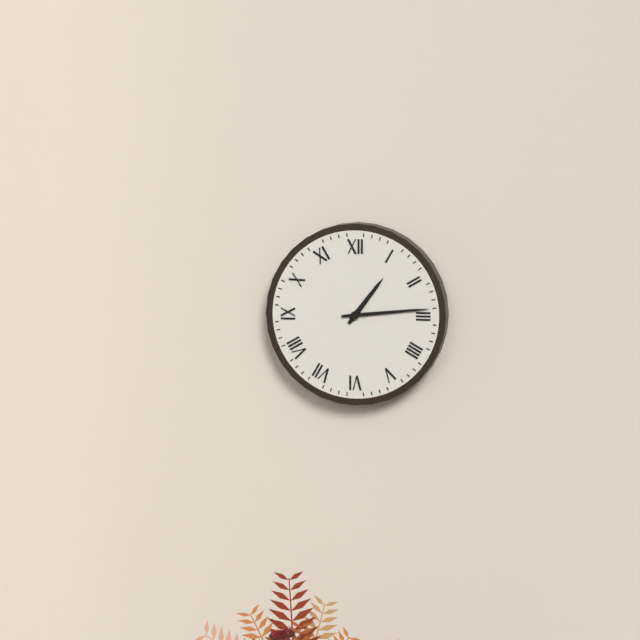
1 h 14 min
